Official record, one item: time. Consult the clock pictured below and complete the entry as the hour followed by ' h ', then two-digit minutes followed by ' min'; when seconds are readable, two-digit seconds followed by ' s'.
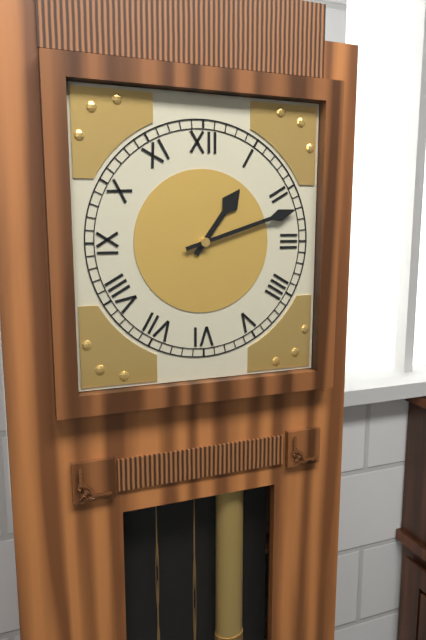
1 h 12 min
